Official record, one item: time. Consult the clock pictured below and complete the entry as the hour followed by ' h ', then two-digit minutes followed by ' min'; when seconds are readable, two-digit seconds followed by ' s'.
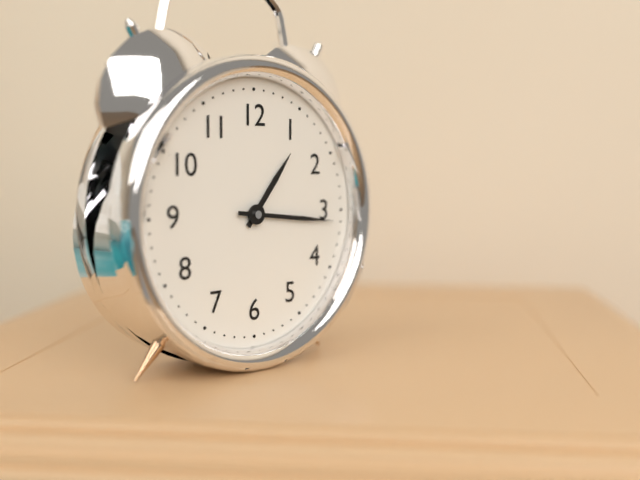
1 h 16 min
